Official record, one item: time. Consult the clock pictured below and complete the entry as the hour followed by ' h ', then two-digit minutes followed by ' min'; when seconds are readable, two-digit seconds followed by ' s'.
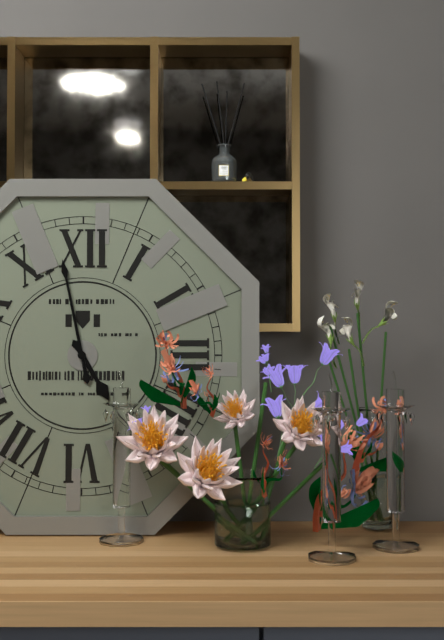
4 h 58 min
